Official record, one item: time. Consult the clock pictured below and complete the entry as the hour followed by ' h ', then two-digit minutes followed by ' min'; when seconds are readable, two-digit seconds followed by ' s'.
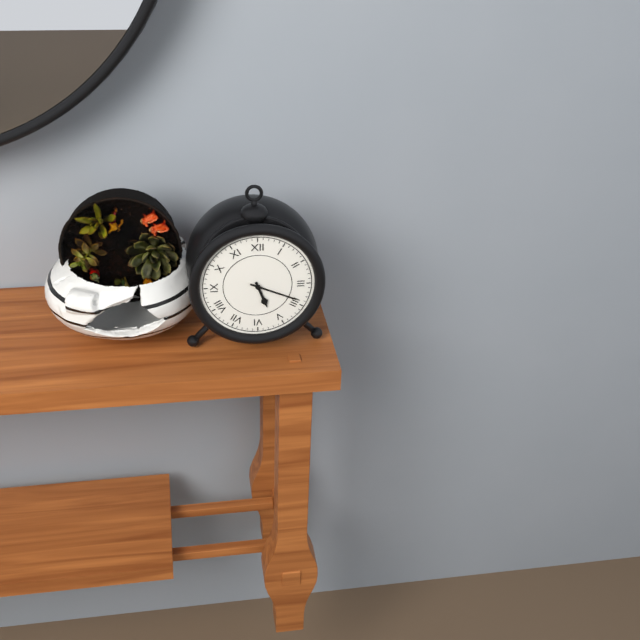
5 h 19 min
